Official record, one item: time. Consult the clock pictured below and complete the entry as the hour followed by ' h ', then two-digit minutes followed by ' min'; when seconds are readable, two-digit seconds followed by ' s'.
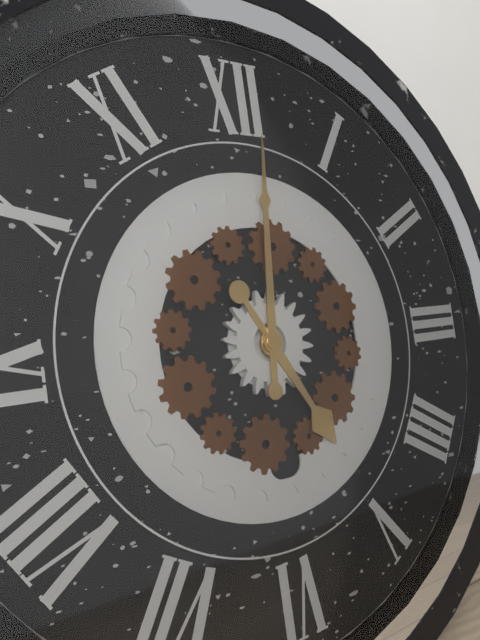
5 h 01 min
